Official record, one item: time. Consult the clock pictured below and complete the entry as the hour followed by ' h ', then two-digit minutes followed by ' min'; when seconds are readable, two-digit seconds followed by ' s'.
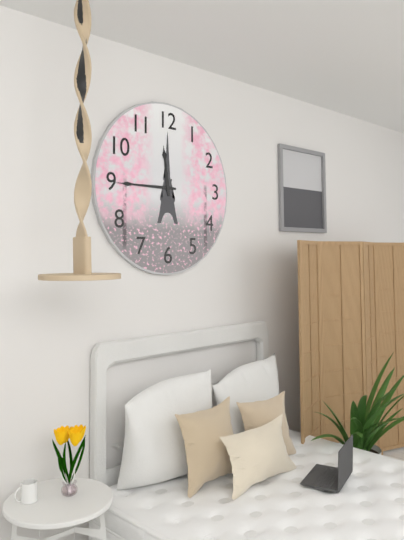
11 h 45 min
